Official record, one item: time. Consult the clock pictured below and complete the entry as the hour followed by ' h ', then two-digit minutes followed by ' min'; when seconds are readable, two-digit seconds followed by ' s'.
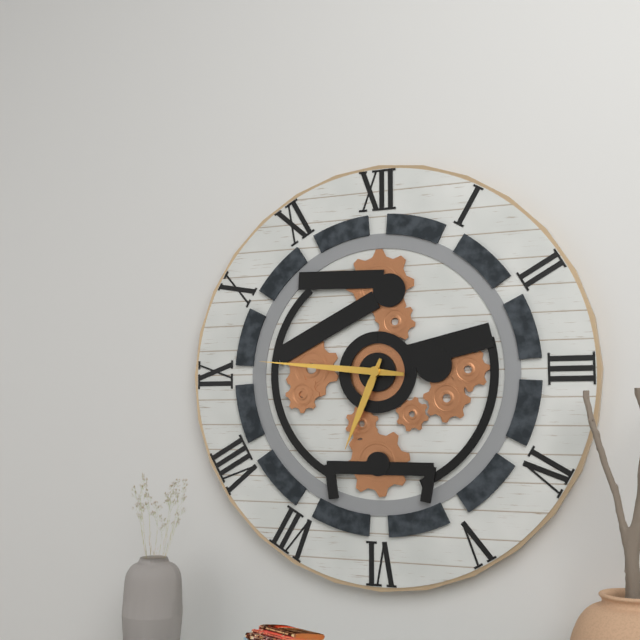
6 h 46 min
